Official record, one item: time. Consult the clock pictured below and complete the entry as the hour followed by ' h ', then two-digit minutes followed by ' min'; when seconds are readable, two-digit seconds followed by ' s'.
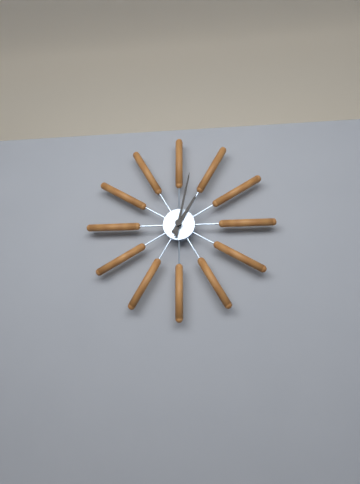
1 h 02 min
